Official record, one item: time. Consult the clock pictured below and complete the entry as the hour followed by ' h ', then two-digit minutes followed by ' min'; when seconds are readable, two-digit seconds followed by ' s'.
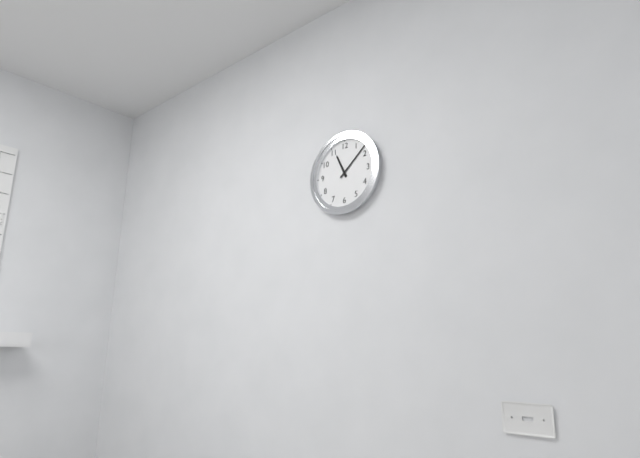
11 h 08 min
